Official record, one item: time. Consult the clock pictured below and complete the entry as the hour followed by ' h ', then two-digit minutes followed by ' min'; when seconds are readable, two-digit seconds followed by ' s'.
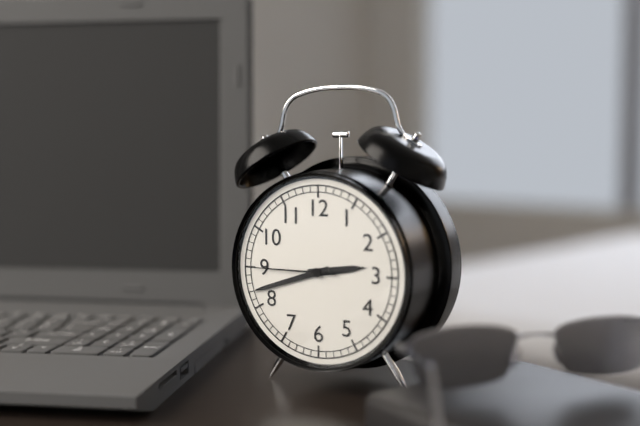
2 h 42 min 45 s
